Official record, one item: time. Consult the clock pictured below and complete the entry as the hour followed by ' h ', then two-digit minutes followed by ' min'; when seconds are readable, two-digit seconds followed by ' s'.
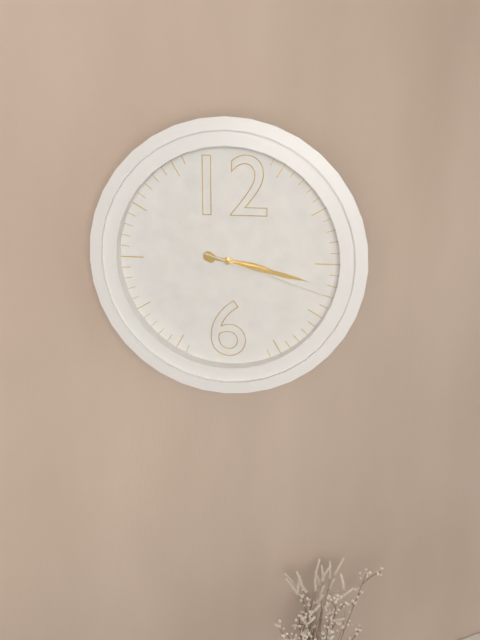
3 h 17 min 18 s
